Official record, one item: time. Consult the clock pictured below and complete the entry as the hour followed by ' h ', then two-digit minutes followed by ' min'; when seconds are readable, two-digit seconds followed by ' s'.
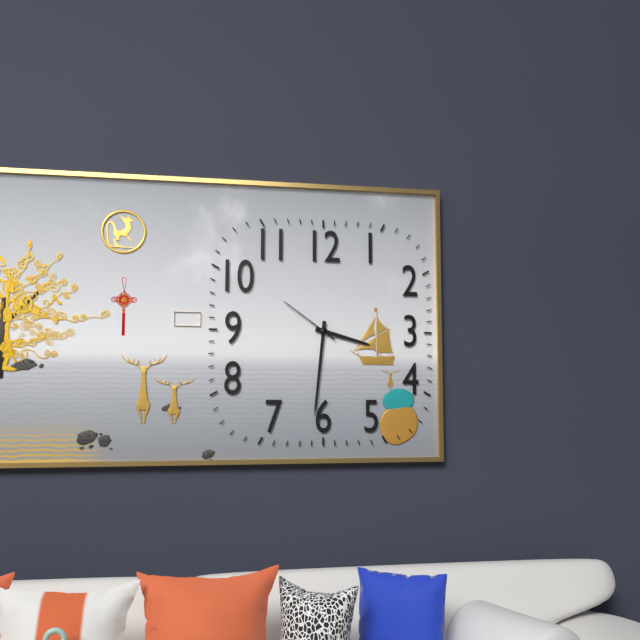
3 h 31 min 51 s
